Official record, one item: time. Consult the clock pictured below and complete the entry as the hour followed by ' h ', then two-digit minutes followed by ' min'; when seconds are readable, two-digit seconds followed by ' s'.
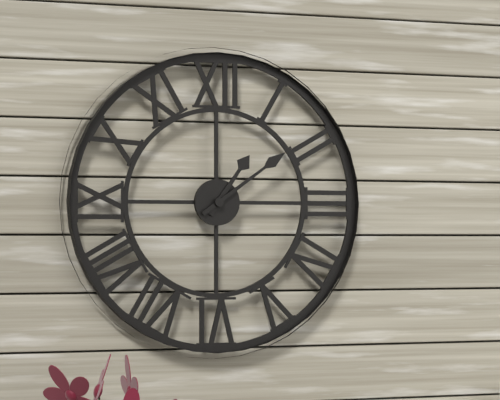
1 h 09 min
